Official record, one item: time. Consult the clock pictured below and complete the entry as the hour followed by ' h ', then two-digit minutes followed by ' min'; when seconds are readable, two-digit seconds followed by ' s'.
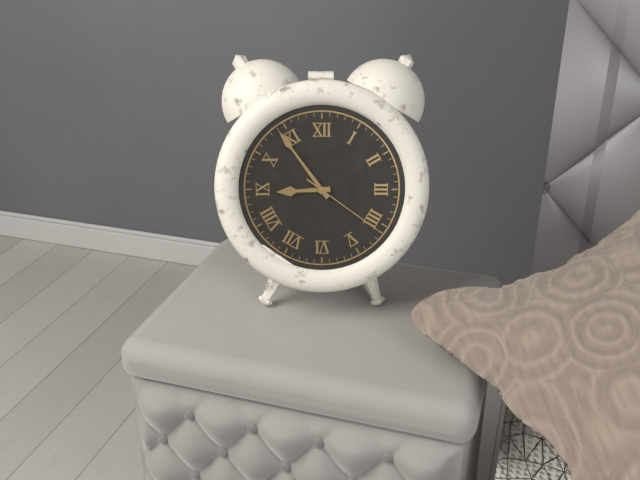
8 h 54 min 21 s
